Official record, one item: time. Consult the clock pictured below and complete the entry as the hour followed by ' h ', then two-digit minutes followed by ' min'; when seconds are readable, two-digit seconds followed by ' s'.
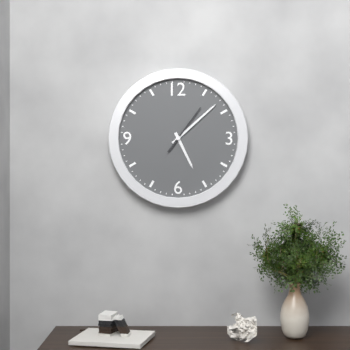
5 h 08 min
